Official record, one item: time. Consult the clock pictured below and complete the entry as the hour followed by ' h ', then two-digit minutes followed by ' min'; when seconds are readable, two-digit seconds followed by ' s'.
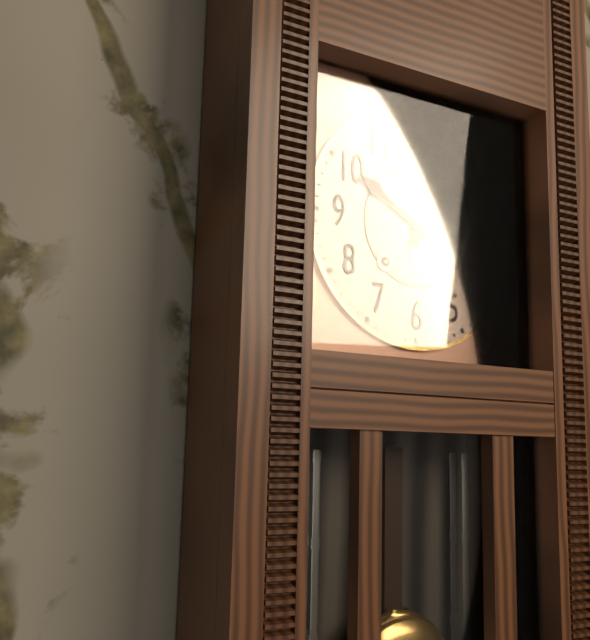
10 h 02 min
